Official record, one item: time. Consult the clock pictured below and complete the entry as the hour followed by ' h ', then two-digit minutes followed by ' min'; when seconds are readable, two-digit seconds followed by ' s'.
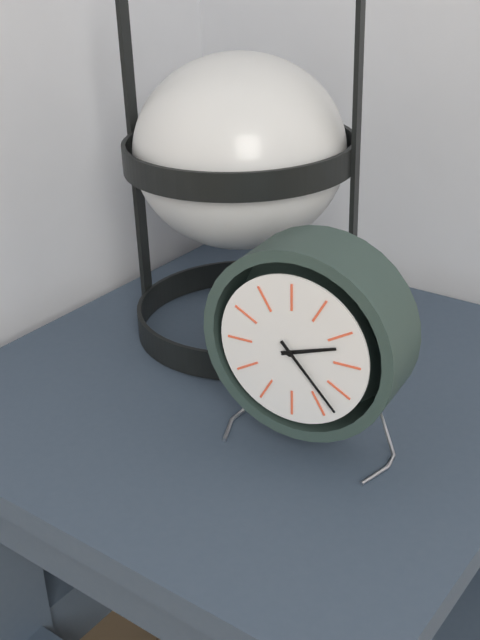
2 h 23 min
